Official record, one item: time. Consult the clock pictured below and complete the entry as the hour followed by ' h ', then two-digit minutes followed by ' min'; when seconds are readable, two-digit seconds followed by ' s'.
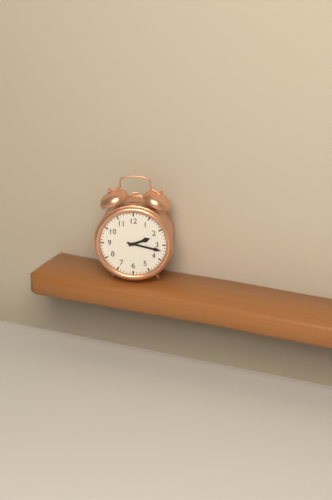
2 h 17 min
